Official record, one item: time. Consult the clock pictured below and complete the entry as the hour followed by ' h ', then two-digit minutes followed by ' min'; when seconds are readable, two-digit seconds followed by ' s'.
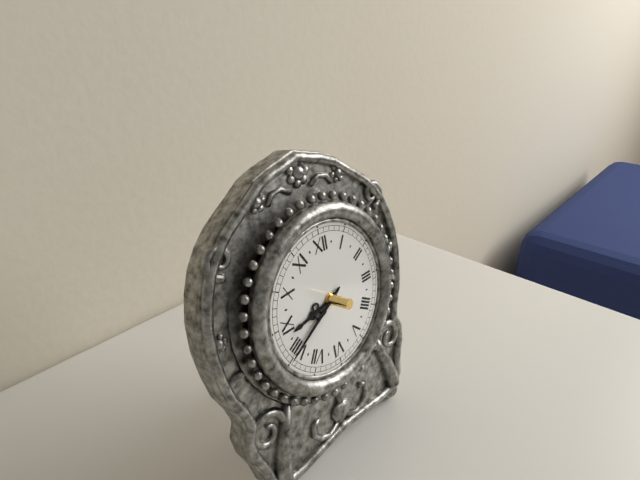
8 h 40 min
